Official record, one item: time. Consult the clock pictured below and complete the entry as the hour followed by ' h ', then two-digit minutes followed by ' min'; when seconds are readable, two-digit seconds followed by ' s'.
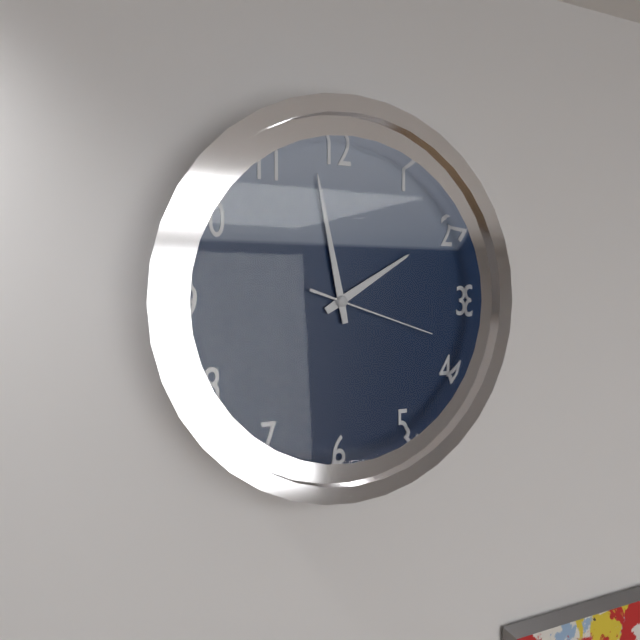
1 h 58 min 18 s
